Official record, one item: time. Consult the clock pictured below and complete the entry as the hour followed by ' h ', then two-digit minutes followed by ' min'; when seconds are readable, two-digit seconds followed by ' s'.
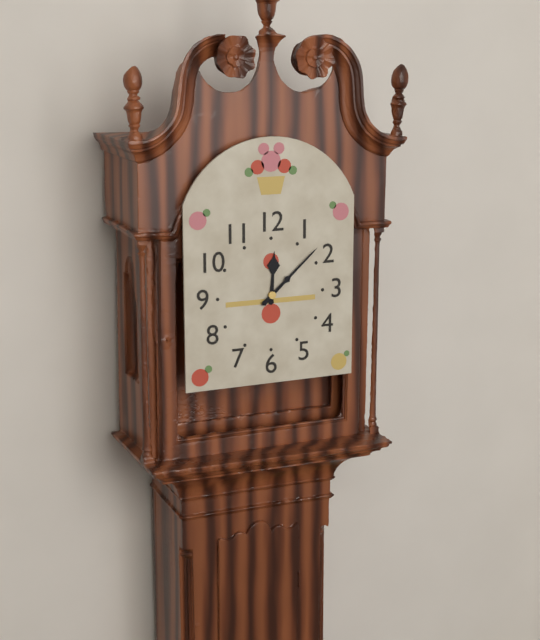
12 h 08 min
